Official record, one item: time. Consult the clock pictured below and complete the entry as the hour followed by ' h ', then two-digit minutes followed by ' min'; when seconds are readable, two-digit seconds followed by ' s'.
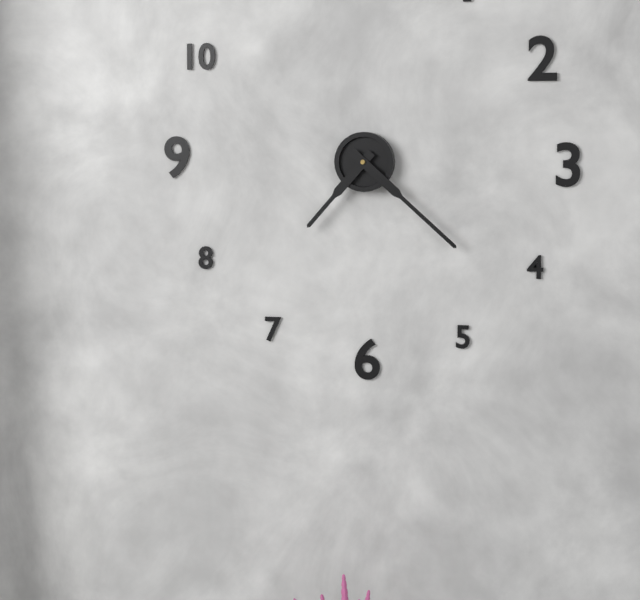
7 h 22 min
